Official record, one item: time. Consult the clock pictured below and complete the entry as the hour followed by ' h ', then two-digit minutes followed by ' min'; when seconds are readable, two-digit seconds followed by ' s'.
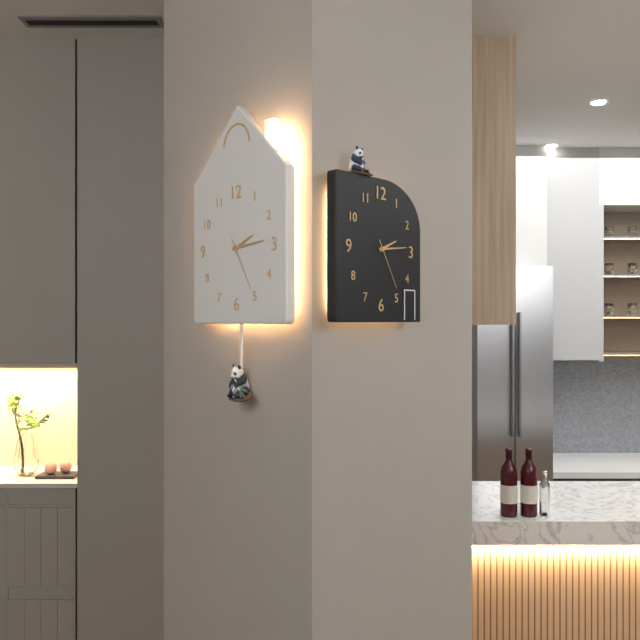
2 h 14 min 25 s
